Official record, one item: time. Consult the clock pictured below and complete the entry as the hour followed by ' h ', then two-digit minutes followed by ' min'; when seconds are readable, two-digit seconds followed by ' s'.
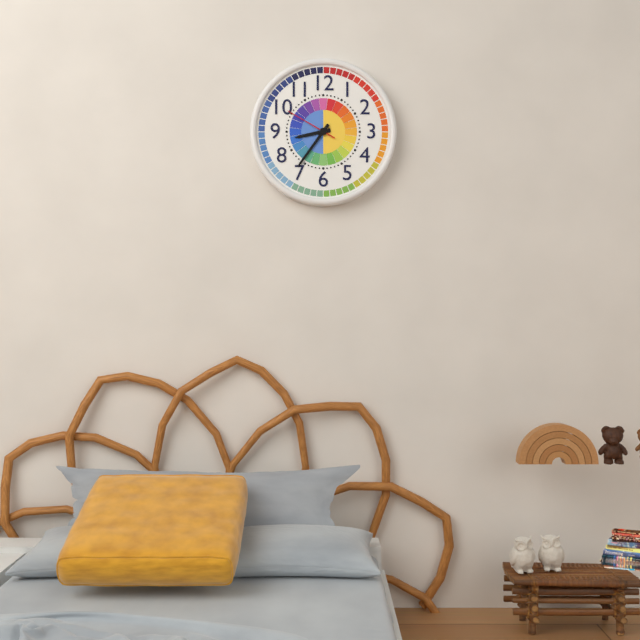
8 h 36 min 50 s
